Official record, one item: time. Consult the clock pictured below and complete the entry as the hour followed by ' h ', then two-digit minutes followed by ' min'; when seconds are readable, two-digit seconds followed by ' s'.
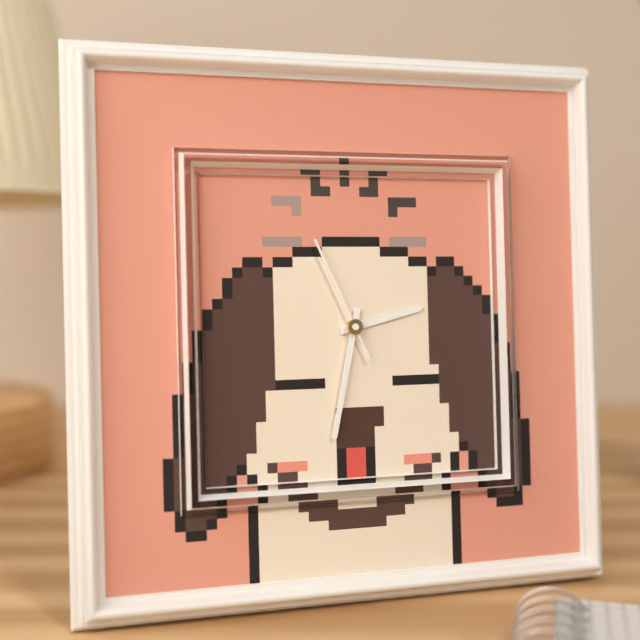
2 h 32 min 56 s
